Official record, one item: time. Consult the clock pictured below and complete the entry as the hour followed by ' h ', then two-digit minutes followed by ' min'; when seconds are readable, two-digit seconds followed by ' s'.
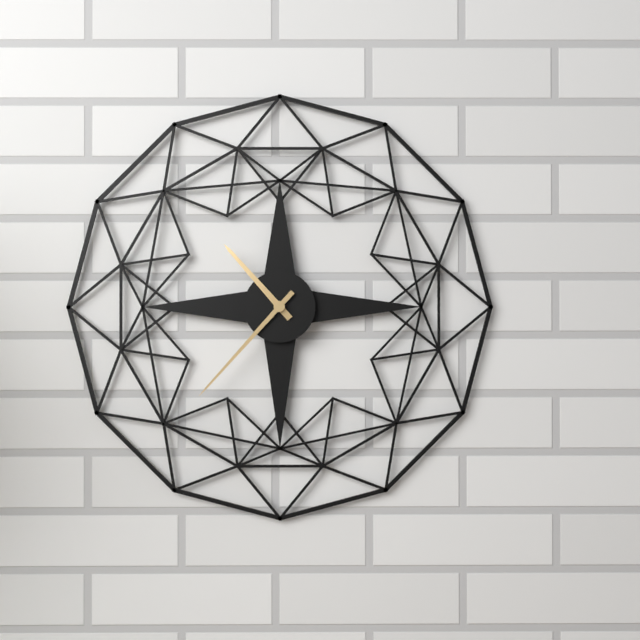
10 h 37 min
